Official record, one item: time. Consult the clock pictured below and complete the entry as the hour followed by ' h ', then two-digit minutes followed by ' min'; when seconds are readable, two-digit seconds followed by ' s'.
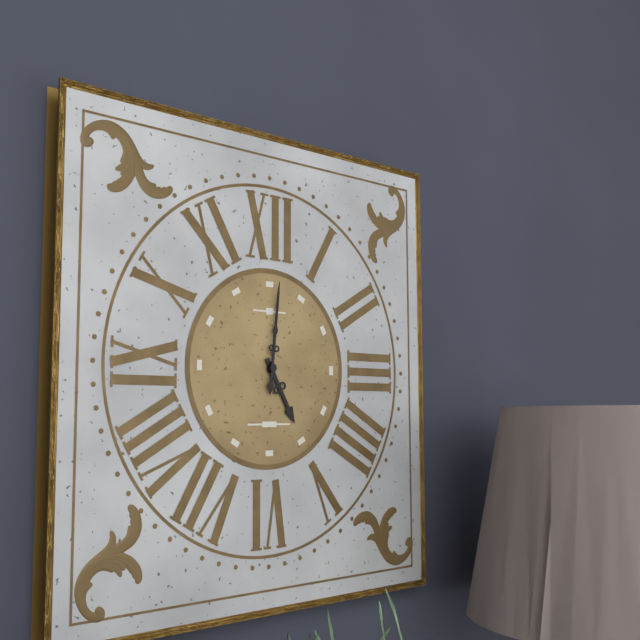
5 h 01 min
